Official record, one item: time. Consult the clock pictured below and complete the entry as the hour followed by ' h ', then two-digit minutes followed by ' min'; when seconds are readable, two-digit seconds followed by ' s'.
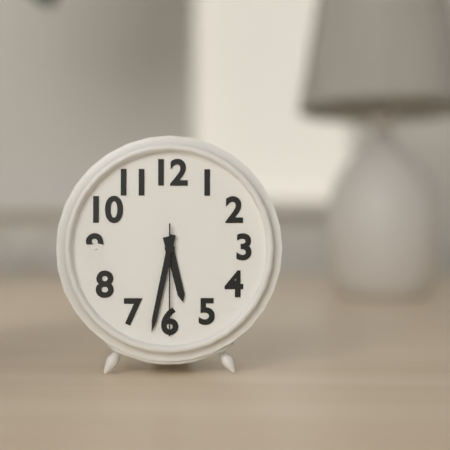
5 h 32 min 30 s
